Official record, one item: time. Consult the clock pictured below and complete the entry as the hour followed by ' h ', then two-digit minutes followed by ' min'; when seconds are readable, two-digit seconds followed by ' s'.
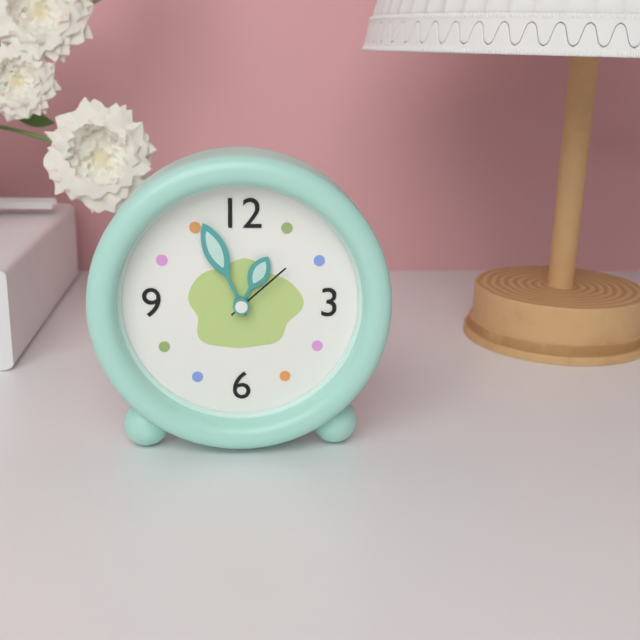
12 h 56 min 08 s
